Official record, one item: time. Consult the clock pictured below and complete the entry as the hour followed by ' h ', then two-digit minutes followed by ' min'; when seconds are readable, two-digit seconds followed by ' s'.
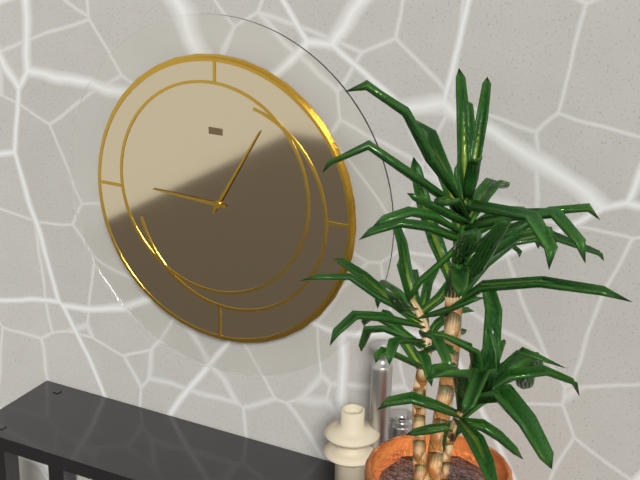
9 h 05 min
